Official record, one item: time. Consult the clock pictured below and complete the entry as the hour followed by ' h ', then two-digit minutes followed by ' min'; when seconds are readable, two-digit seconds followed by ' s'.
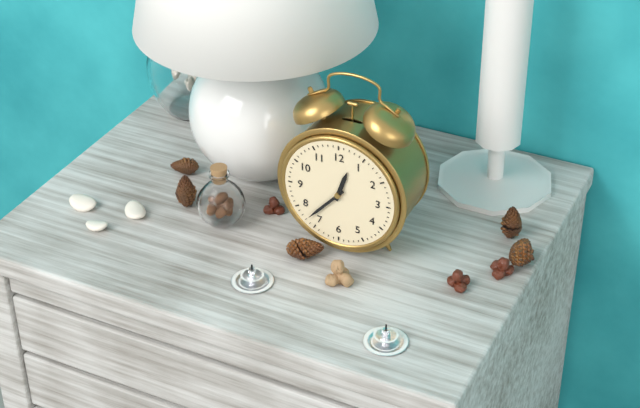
12 h 37 min
